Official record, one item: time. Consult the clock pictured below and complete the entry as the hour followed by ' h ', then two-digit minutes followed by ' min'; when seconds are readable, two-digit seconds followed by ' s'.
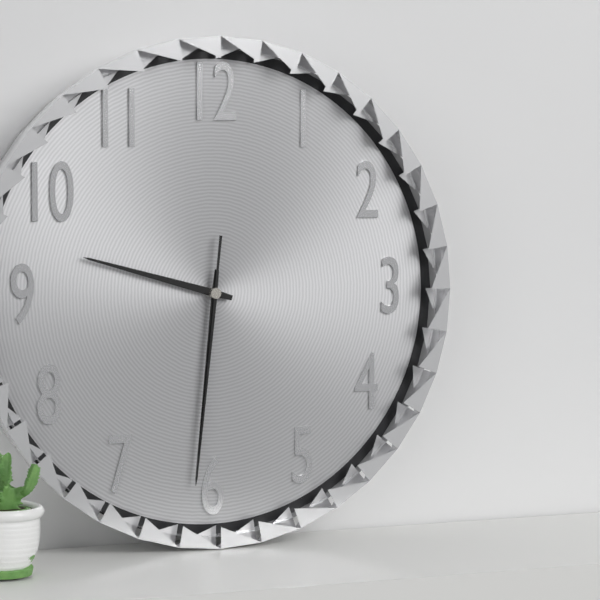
9 h 31 min 31 s
